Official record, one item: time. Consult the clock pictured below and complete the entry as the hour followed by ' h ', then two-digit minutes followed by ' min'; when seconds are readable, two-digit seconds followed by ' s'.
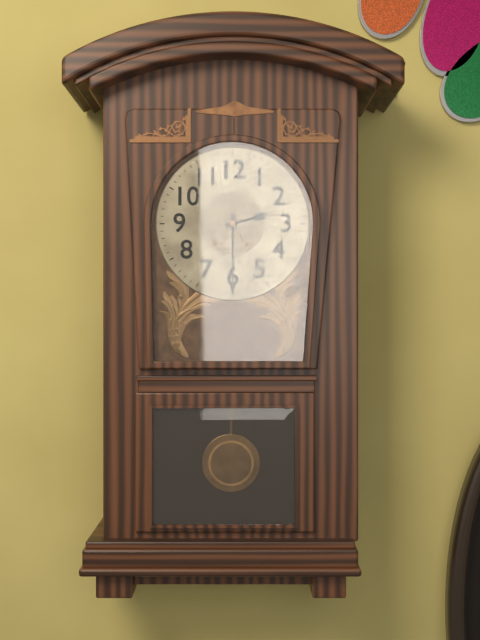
2 h 30 min
